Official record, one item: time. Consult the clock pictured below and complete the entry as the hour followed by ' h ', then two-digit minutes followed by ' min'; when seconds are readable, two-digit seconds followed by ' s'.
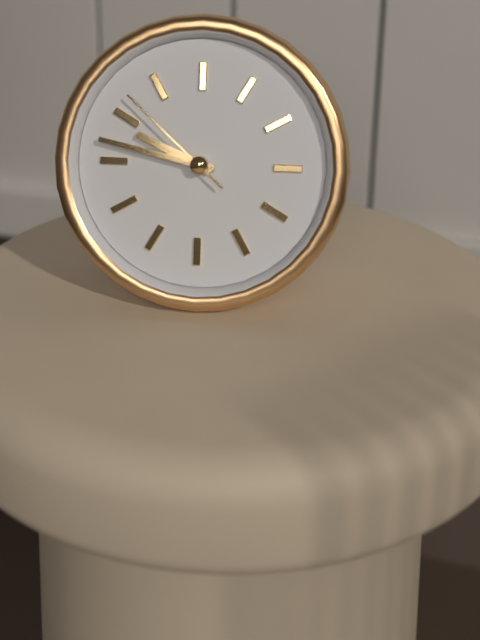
9 h 47 min 52 s
